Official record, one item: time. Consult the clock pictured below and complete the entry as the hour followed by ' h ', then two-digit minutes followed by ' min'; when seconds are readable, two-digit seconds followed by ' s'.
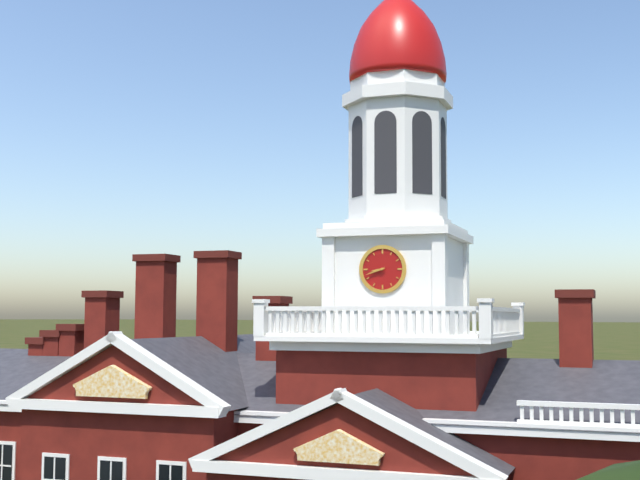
8 h 42 min
